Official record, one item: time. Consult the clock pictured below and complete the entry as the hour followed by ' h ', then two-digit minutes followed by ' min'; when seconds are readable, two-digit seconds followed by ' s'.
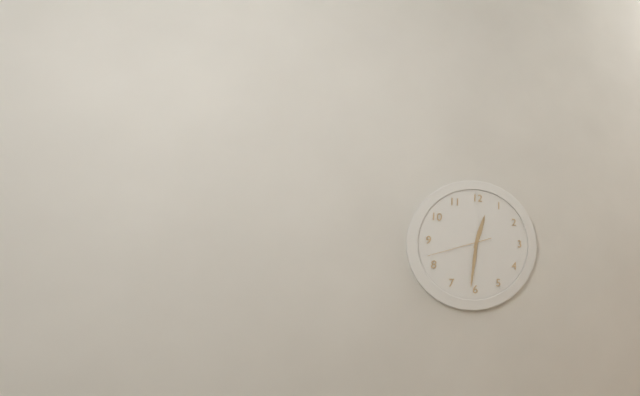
12 h 31 min 42 s
